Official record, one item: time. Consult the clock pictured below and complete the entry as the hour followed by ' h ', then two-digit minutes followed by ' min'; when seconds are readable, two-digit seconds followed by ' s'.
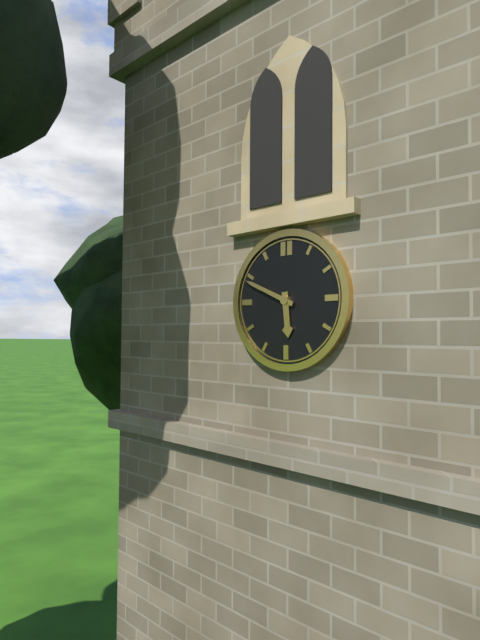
5 h 49 min
